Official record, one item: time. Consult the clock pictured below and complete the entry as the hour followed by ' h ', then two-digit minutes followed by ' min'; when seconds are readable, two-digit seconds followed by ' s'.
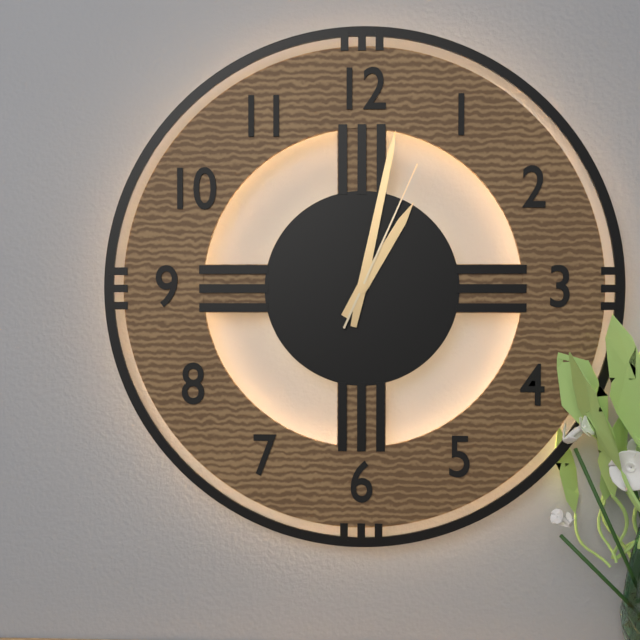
1 h 02 min 04 s
